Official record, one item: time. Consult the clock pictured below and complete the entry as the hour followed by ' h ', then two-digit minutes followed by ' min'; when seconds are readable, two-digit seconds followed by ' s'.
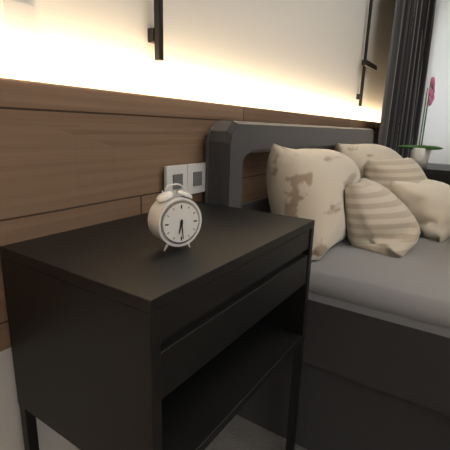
6 h 29 min
